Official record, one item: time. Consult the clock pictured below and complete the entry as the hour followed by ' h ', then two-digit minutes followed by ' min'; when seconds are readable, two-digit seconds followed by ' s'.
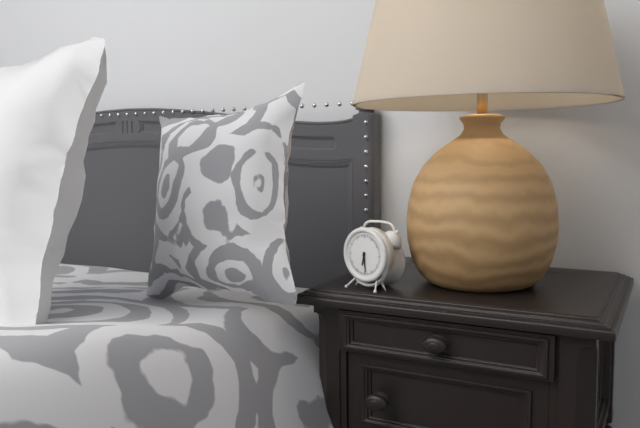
6 h 29 min
